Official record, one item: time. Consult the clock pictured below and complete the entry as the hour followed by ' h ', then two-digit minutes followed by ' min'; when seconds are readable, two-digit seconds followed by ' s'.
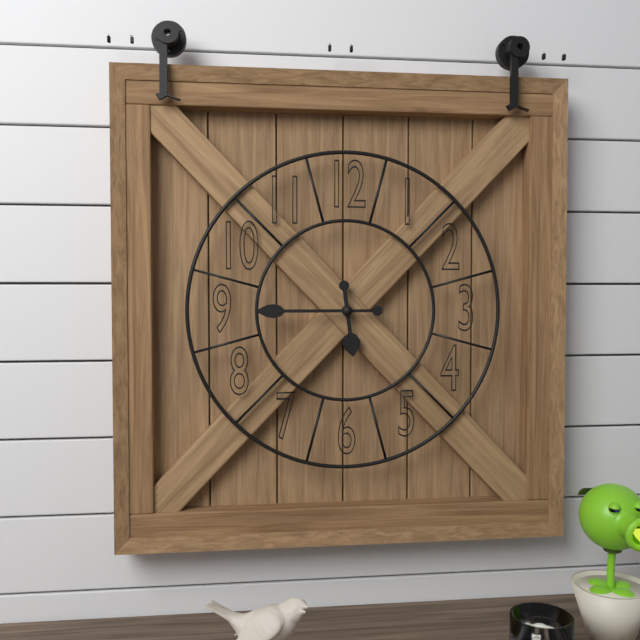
5 h 45 min
